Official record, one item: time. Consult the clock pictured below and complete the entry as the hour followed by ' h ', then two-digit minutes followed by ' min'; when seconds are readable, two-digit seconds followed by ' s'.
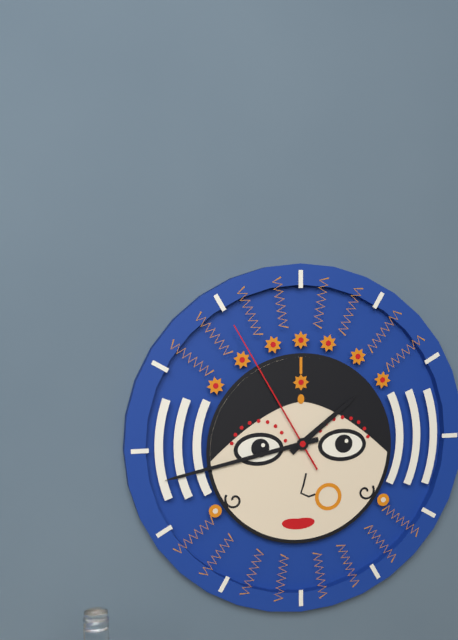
1 h 43 min 55 s
